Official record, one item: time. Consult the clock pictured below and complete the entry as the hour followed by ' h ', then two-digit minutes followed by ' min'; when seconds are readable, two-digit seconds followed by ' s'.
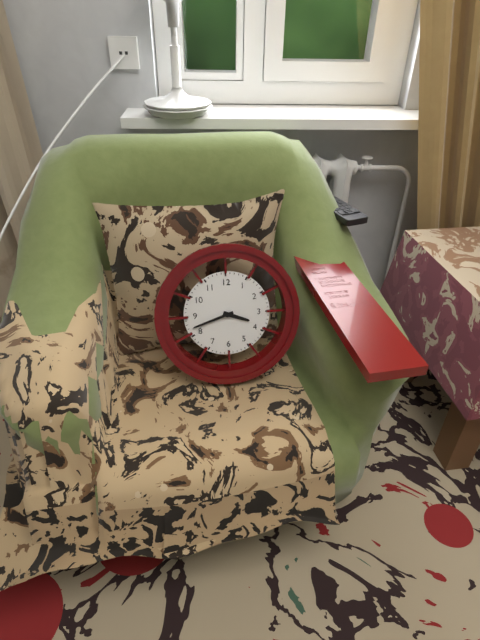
3 h 42 min
